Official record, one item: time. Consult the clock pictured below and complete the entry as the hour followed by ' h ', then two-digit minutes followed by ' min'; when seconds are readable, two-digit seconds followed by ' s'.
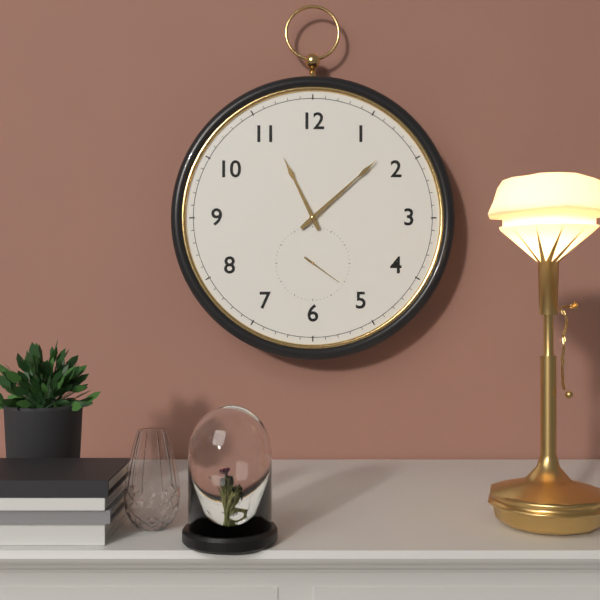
11 h 08 min
